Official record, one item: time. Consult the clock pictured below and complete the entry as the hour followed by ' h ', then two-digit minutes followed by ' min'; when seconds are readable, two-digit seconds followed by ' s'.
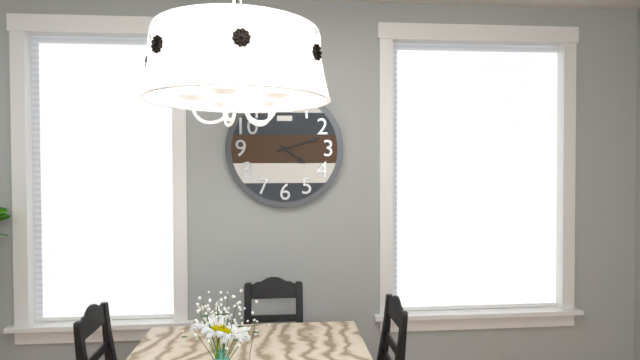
4 h 12 min
